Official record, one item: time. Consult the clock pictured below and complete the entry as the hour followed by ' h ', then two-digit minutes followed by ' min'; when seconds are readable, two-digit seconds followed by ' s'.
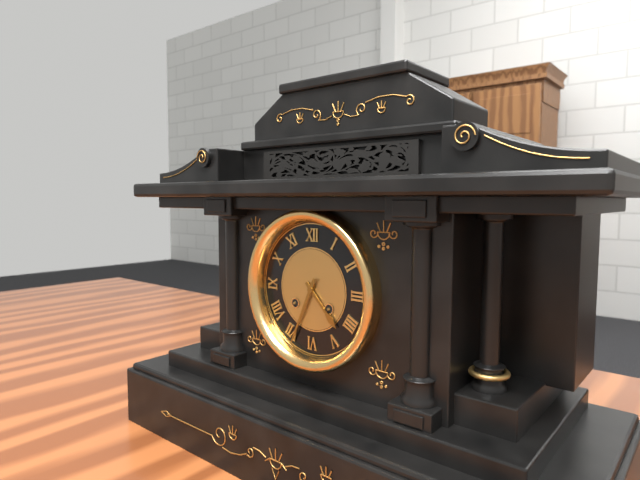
4 h 34 min
